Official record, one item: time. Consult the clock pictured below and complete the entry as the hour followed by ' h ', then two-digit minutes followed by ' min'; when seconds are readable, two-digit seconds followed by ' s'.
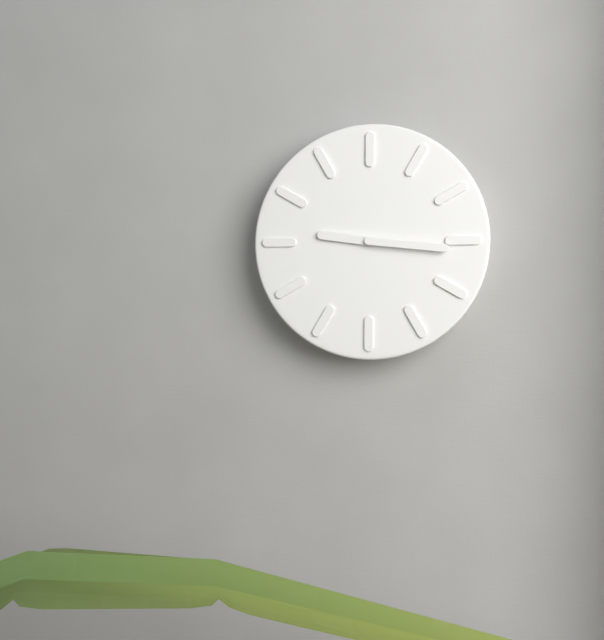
9 h 16 min
